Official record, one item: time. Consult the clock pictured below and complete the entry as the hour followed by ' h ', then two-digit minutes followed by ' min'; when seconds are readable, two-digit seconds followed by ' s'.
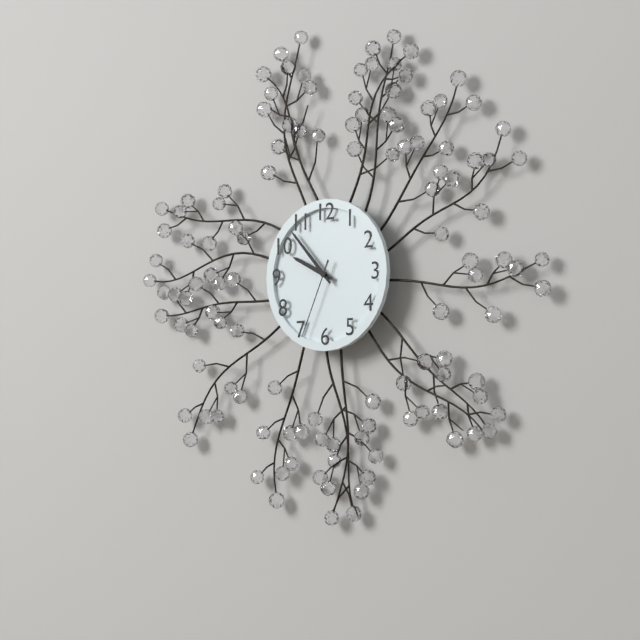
9 h 53 min 34 s
